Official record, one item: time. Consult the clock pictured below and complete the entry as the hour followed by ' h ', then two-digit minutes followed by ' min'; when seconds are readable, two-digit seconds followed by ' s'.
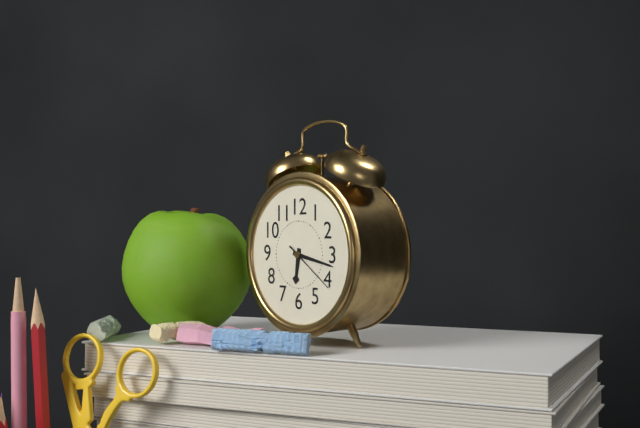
6 h 17 min 21 s
